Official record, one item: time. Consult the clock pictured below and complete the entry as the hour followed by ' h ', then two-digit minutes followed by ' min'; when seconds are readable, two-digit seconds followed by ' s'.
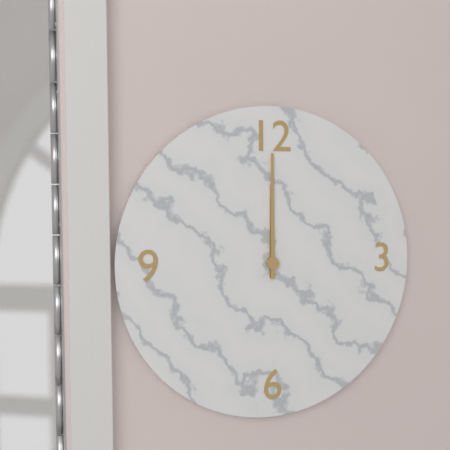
12 h 00 min
